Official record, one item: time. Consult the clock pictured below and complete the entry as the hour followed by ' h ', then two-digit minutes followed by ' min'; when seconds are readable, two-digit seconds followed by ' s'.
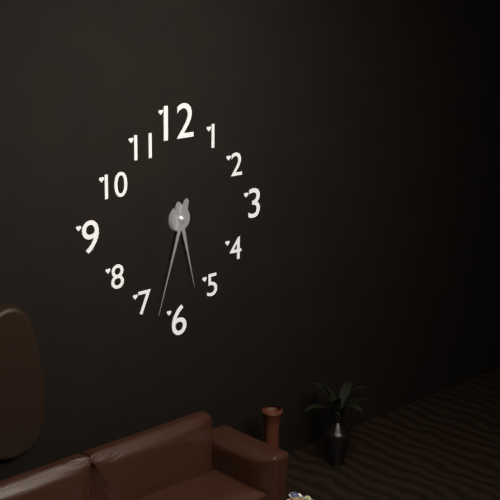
5 h 33 min
